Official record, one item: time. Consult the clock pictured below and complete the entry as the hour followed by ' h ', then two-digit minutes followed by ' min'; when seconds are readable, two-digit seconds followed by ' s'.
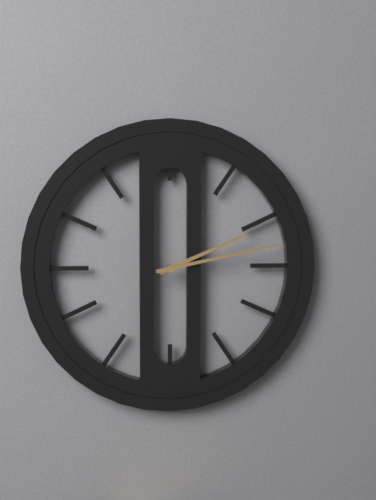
2 h 13 min
